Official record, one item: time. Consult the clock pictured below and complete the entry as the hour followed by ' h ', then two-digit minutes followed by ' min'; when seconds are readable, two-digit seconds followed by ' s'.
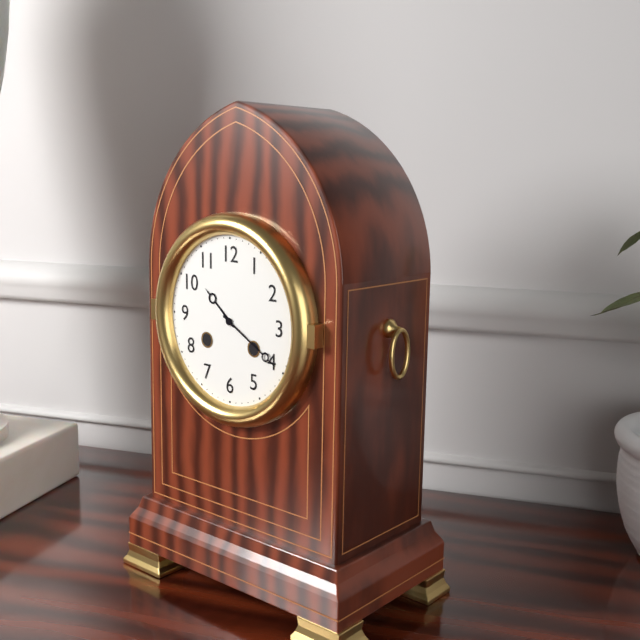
10 h 20 min
